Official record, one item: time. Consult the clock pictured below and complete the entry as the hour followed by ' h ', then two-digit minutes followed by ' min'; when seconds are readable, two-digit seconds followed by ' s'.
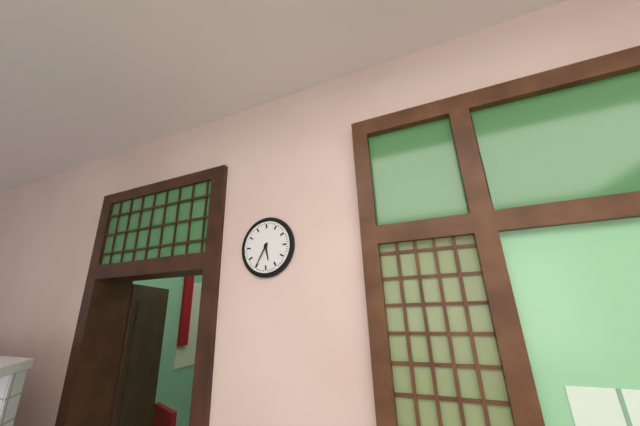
5 h 35 min
